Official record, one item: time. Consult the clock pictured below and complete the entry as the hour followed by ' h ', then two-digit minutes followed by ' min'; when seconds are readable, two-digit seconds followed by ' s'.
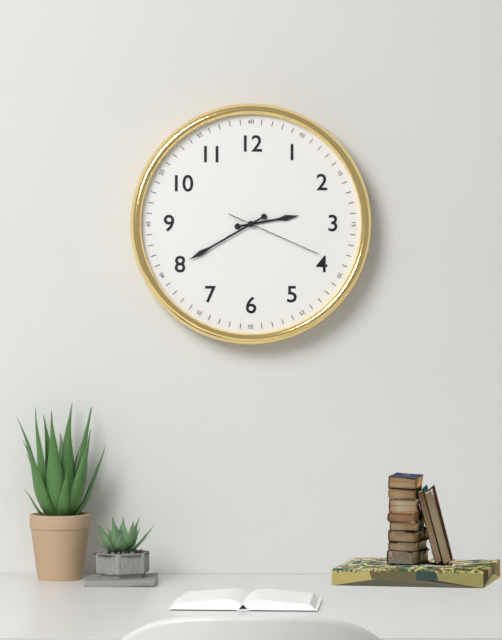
2 h 40 min 19 s
